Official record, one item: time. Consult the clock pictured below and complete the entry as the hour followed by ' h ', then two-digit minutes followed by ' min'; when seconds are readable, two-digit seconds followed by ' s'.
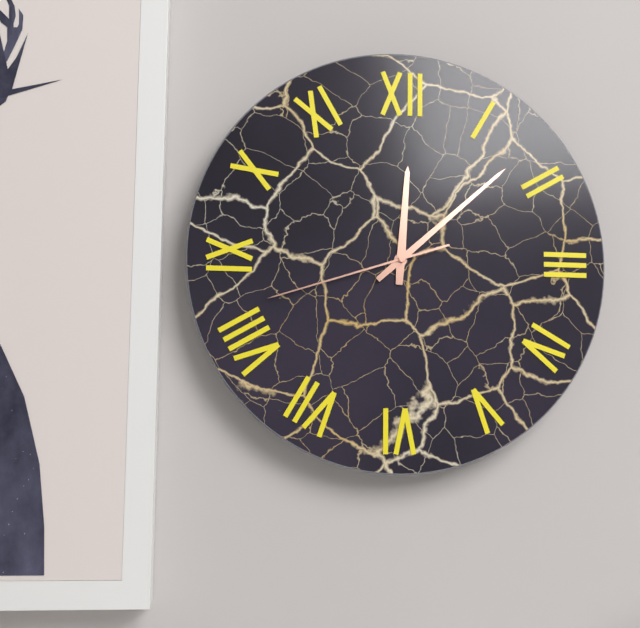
12 h 08 min 42 s
